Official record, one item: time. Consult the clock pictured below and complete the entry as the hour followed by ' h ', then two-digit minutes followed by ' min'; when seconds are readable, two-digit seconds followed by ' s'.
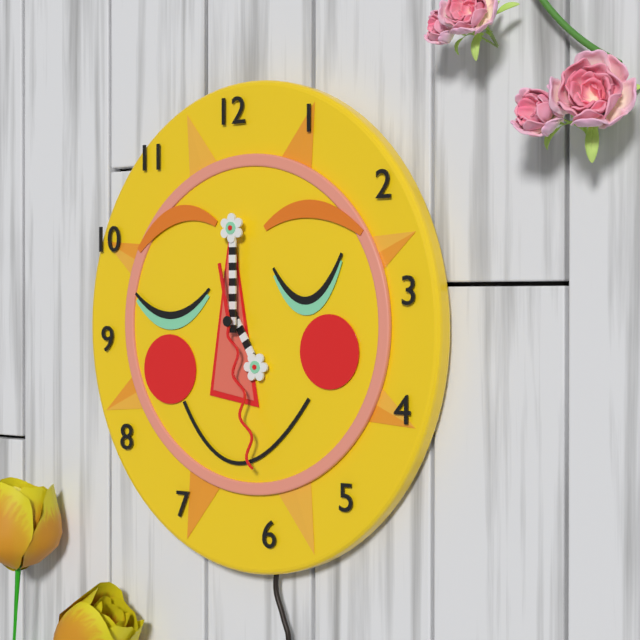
5 h 00 min 28 s
